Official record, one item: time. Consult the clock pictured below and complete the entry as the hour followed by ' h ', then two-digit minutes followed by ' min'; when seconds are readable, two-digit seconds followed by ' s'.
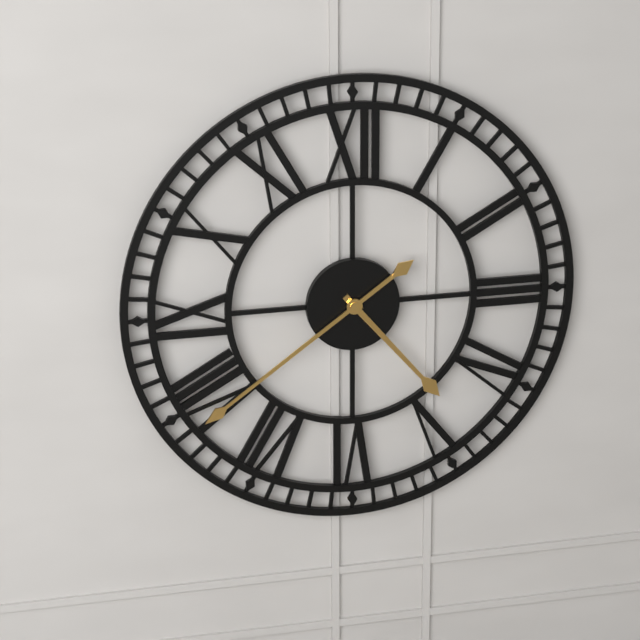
4 h 39 min
